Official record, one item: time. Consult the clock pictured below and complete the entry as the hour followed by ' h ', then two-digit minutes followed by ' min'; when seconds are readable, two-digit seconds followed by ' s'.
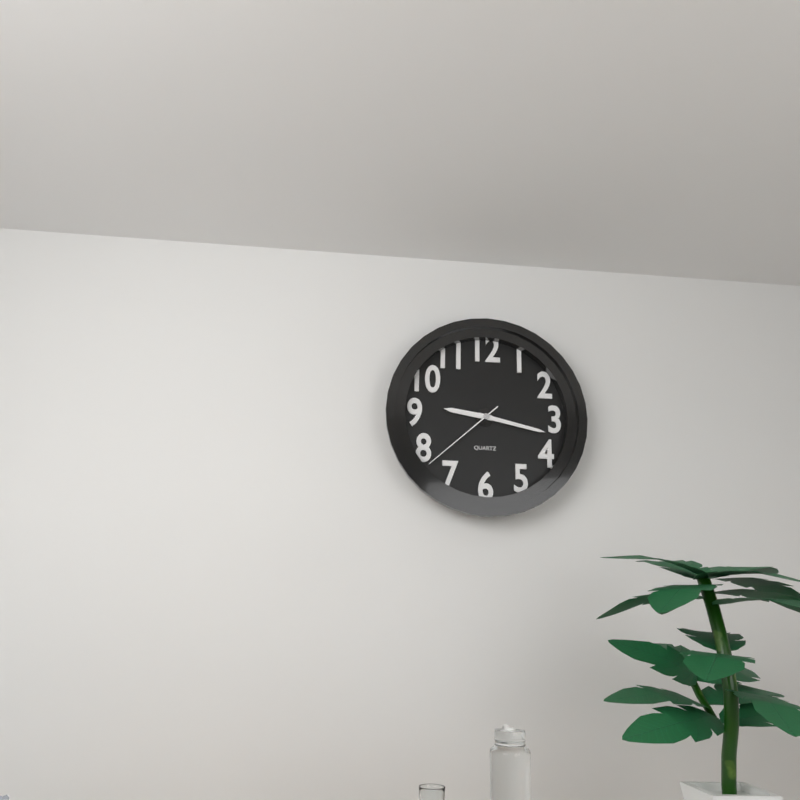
9 h 17 min 38 s
